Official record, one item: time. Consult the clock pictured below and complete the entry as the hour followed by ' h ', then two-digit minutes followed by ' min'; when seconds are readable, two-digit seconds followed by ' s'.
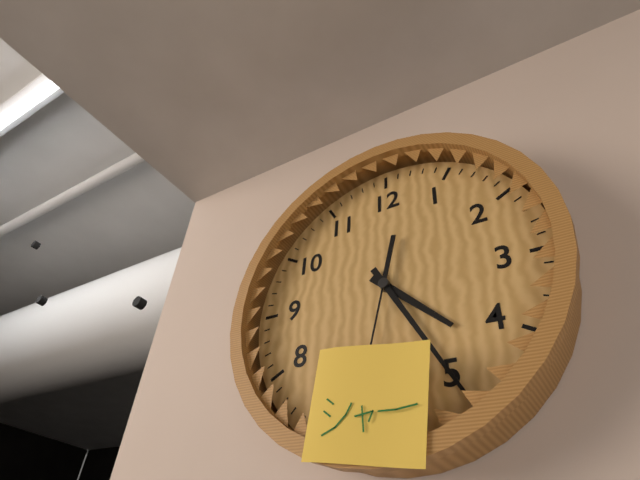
4 h 25 min
